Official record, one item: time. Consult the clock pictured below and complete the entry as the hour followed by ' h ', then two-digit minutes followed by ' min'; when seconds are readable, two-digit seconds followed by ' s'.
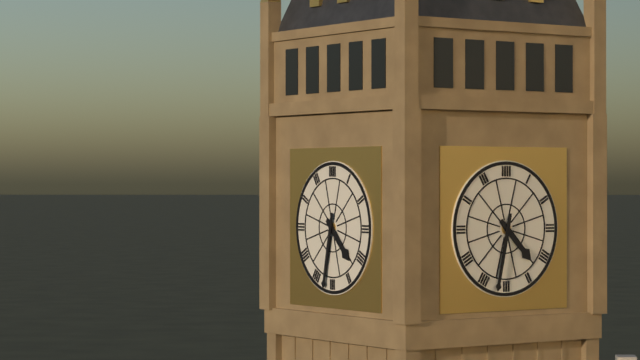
4 h 32 min
